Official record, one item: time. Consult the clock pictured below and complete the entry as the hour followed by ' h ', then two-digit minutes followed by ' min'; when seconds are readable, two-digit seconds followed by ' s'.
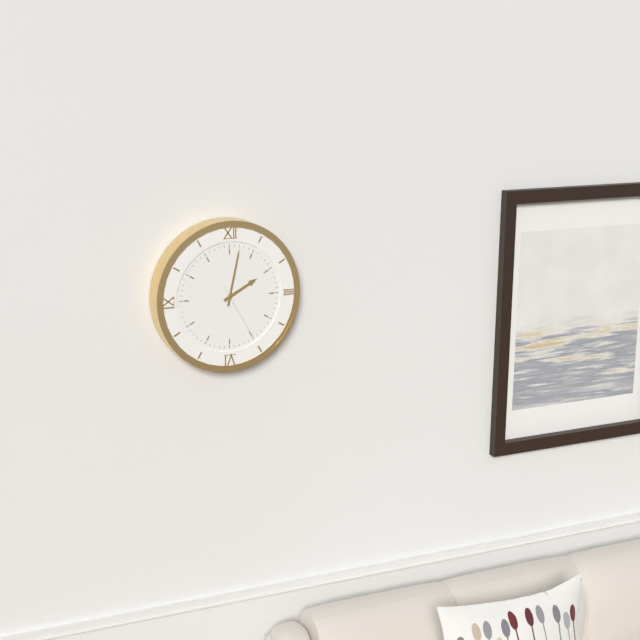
2 h 02 min 25 s
